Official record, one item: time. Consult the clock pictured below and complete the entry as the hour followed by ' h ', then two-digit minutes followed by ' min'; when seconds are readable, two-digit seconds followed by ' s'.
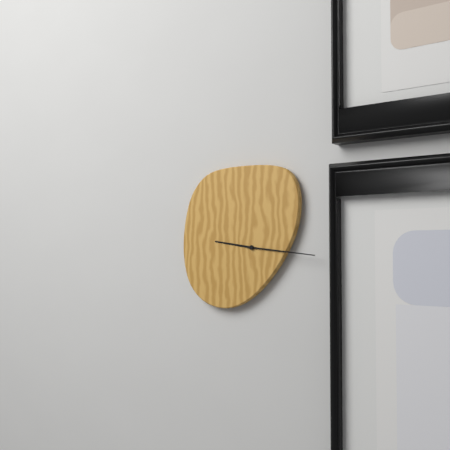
9 h 16 min
